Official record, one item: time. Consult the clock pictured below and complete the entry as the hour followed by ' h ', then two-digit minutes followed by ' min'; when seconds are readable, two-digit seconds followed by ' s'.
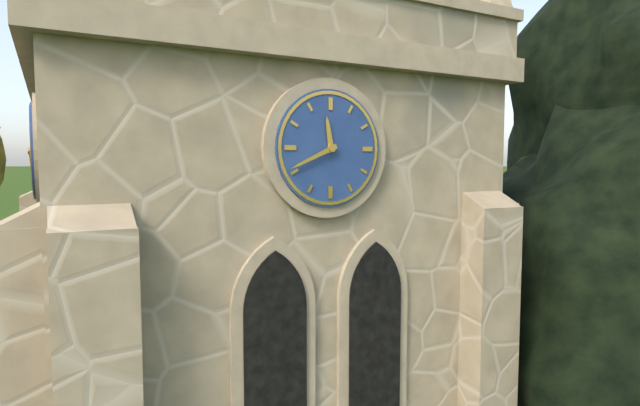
11 h 41 min
